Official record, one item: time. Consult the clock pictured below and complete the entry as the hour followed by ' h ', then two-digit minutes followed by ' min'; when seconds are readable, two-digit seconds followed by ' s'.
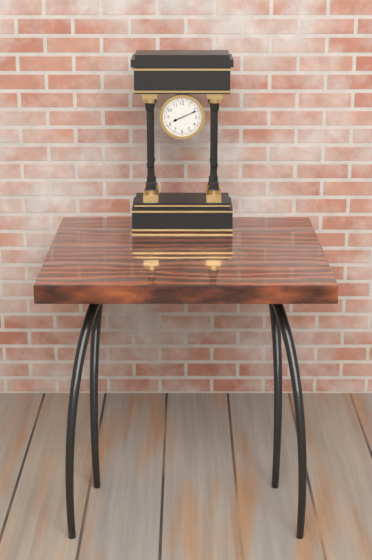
8 h 11 min
